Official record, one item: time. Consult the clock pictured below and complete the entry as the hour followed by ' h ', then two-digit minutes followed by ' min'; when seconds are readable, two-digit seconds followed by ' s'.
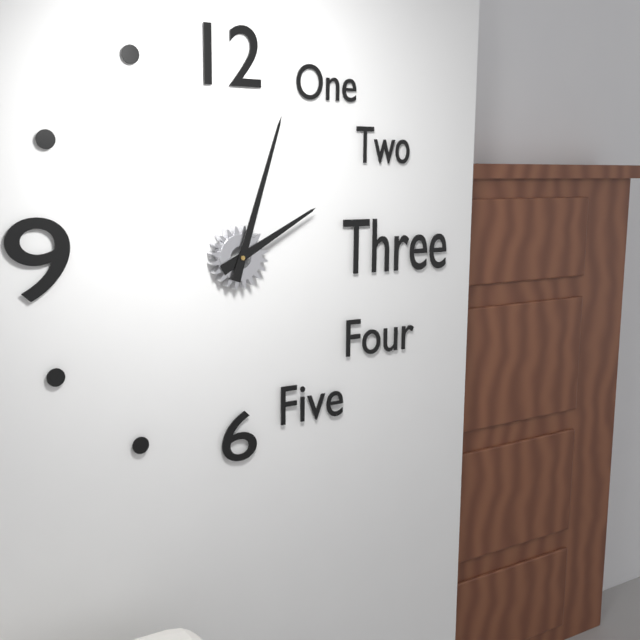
2 h 03 min
